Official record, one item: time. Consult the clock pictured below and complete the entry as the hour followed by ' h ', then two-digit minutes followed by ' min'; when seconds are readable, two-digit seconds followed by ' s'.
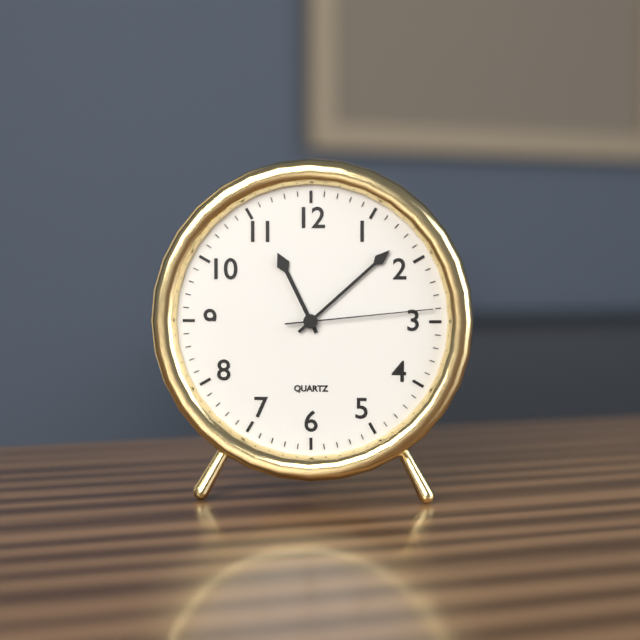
11 h 08 min 14 s
